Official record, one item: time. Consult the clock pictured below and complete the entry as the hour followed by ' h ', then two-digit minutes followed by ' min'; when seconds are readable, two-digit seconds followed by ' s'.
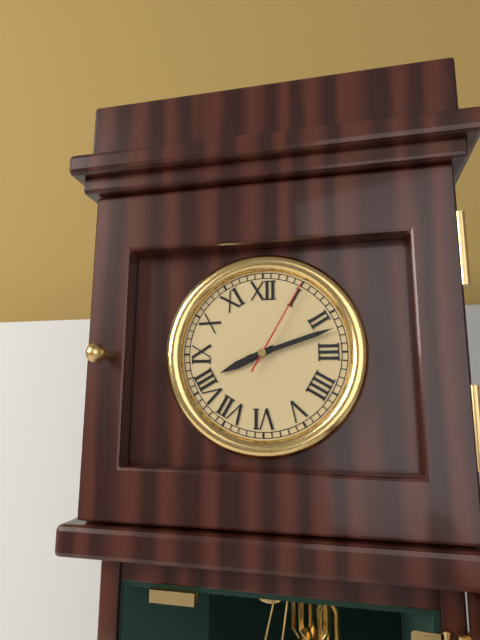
8 h 12 min 05 s
